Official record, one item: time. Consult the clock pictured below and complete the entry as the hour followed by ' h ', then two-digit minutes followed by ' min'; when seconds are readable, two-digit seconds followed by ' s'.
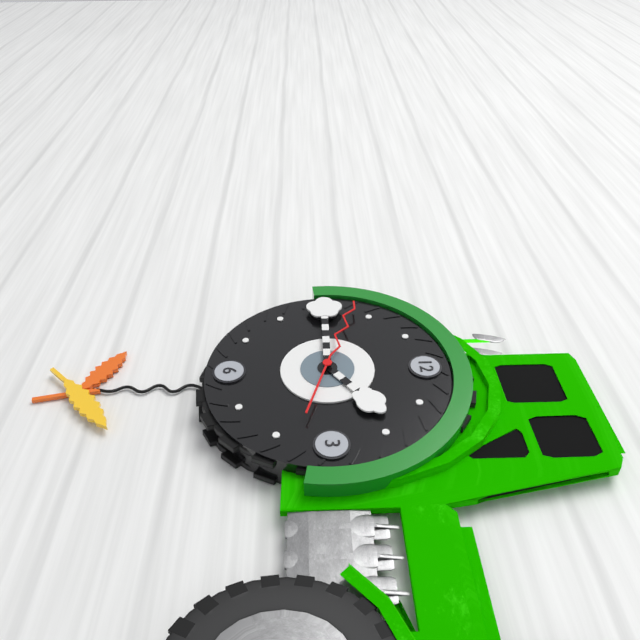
1 h 45 min 48 s
